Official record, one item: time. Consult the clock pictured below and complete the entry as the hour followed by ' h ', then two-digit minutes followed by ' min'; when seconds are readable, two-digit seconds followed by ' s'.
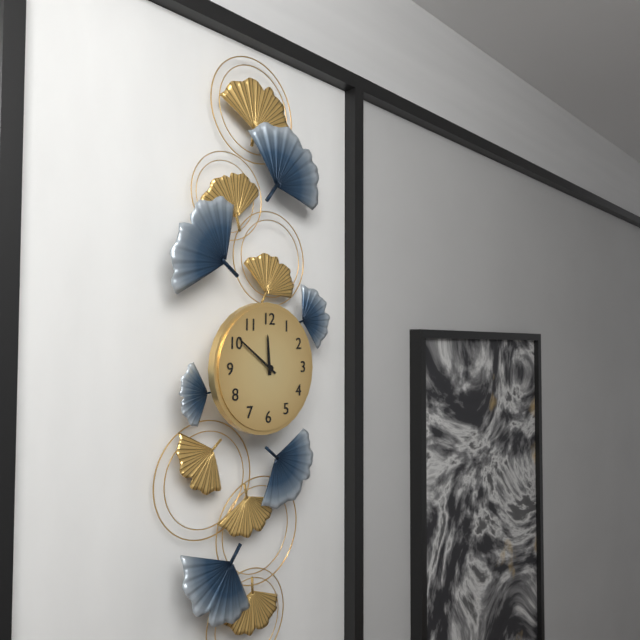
11 h 51 min
